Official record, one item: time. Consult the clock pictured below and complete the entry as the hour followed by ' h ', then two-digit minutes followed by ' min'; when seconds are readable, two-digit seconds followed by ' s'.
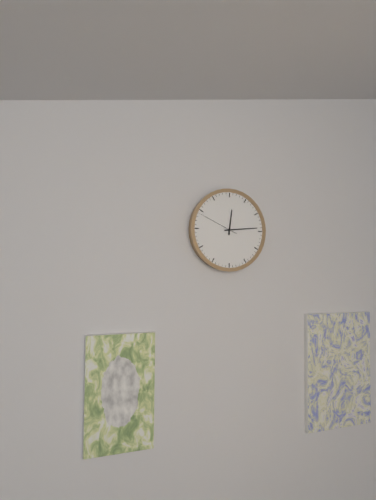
12 h 14 min
